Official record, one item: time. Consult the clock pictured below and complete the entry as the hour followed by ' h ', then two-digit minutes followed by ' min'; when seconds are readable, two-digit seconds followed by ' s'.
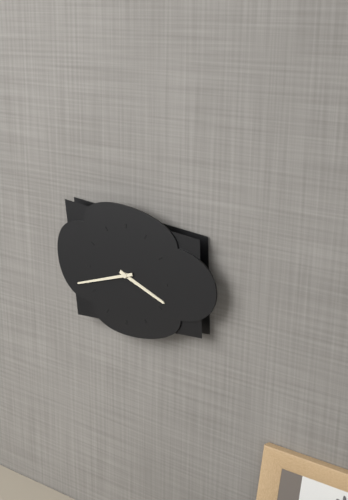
3 h 42 min
